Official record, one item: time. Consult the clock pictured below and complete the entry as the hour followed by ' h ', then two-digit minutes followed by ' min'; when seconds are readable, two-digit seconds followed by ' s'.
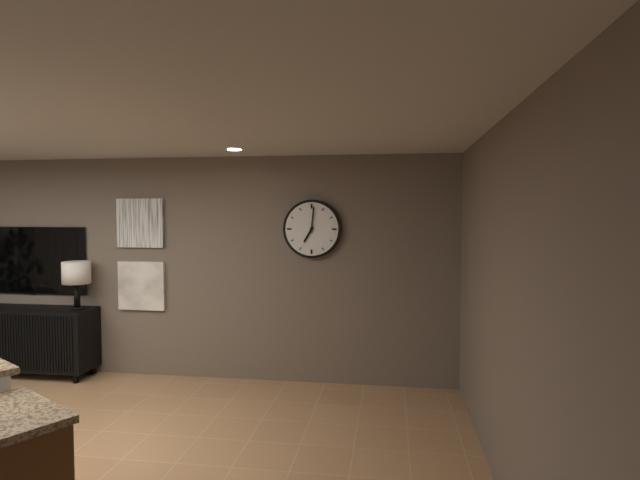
7 h 01 min
